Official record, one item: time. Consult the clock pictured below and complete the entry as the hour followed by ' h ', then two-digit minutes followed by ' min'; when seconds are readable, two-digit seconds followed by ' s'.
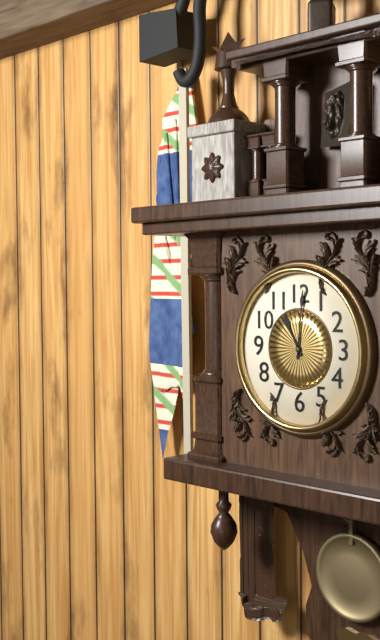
11 h 01 min
